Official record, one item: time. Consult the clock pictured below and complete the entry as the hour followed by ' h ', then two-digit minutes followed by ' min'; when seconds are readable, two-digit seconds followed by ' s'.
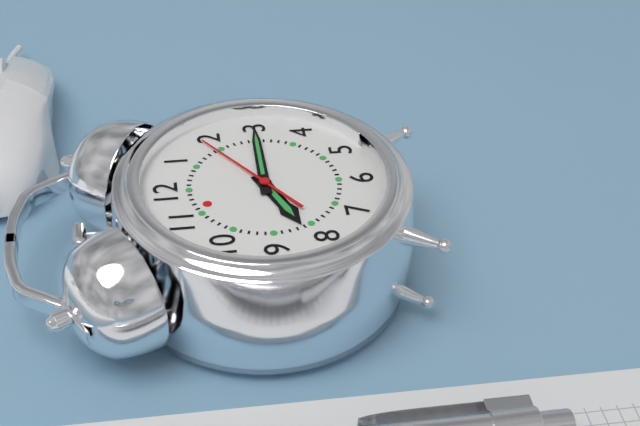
8 h 15 min 09 s
